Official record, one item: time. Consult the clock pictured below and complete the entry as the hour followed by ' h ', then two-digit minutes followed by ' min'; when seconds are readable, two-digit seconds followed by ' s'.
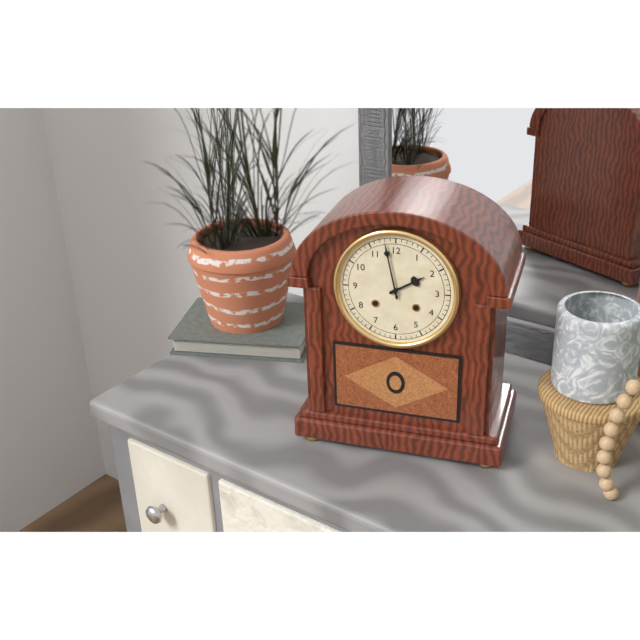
1 h 58 min
